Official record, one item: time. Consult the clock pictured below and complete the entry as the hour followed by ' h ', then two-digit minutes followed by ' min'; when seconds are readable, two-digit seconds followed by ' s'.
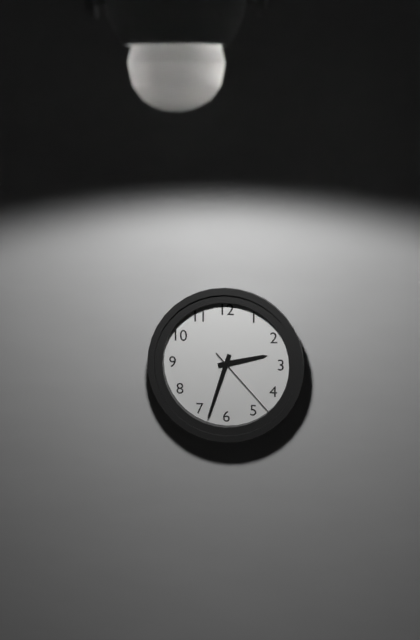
2 h 33 min 23 s
